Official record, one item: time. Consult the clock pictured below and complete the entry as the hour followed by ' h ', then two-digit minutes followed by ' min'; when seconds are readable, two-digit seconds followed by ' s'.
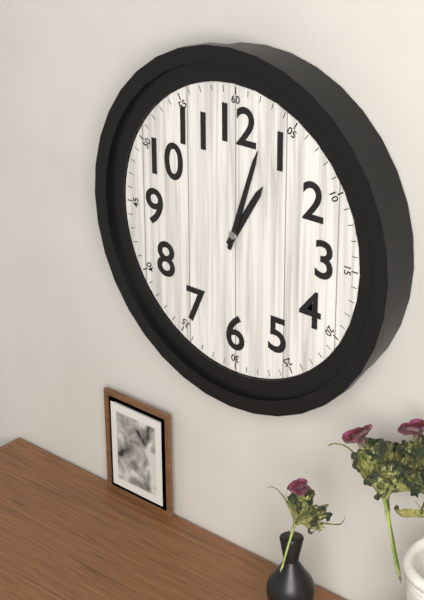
1 h 03 min
